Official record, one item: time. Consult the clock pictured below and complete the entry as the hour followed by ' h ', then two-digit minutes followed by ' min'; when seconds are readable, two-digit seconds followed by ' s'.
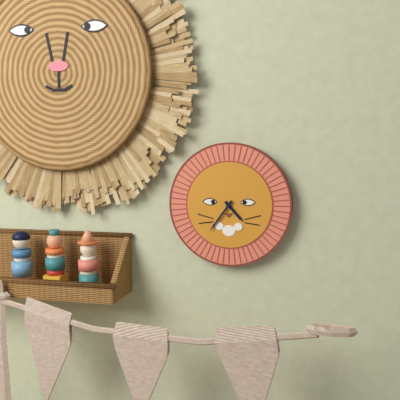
4 h 36 min
